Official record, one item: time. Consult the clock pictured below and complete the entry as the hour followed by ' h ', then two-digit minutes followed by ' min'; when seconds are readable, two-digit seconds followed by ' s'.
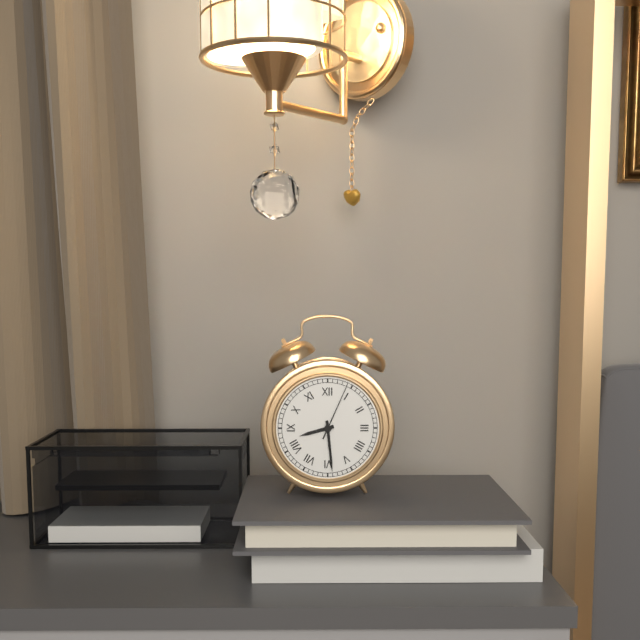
8 h 29 min 04 s
